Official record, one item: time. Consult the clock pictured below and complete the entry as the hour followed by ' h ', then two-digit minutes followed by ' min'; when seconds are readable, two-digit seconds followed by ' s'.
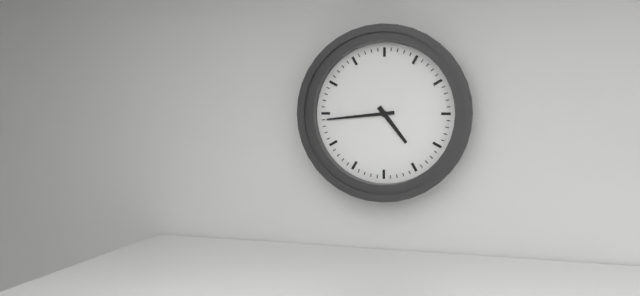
4 h 44 min
